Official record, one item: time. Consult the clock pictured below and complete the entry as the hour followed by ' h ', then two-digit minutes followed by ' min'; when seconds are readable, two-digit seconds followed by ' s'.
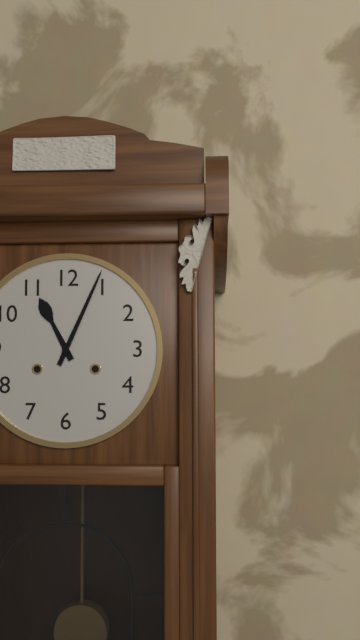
11 h 04 min
